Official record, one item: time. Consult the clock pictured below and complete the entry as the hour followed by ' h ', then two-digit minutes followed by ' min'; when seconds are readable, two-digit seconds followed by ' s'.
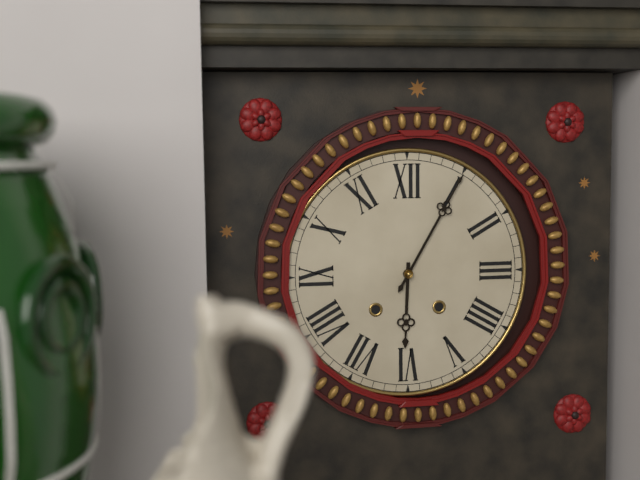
6 h 05 min
